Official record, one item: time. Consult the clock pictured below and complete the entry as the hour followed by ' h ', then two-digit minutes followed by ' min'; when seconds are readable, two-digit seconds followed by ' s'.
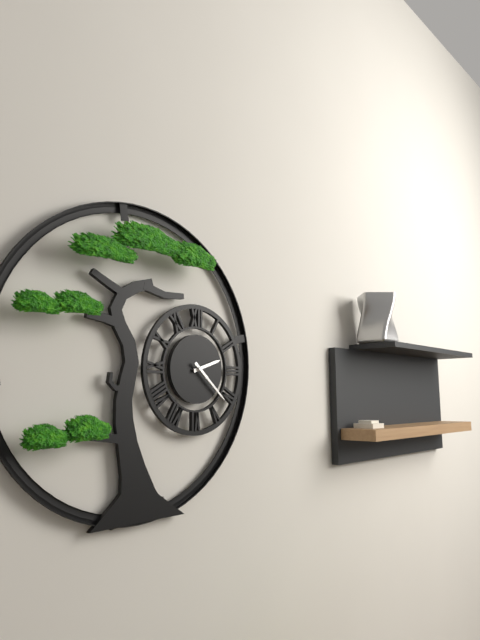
2 h 22 min
